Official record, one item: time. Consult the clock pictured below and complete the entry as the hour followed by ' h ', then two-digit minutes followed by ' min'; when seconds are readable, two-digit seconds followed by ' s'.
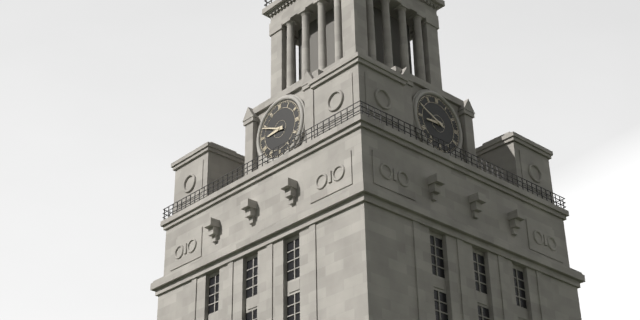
8 h 49 min
